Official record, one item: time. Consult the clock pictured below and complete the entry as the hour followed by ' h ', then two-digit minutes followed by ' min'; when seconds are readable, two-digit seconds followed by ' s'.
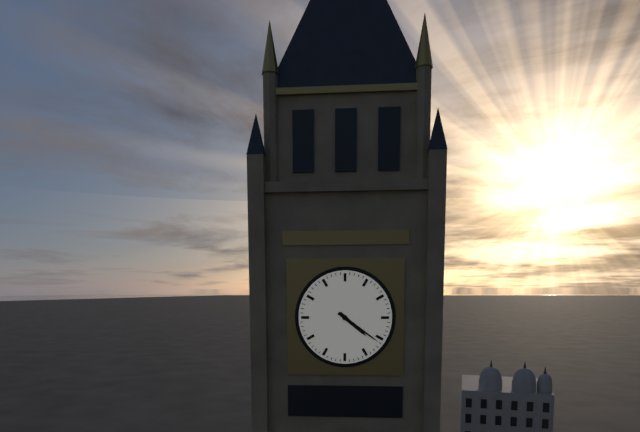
4 h 21 min
